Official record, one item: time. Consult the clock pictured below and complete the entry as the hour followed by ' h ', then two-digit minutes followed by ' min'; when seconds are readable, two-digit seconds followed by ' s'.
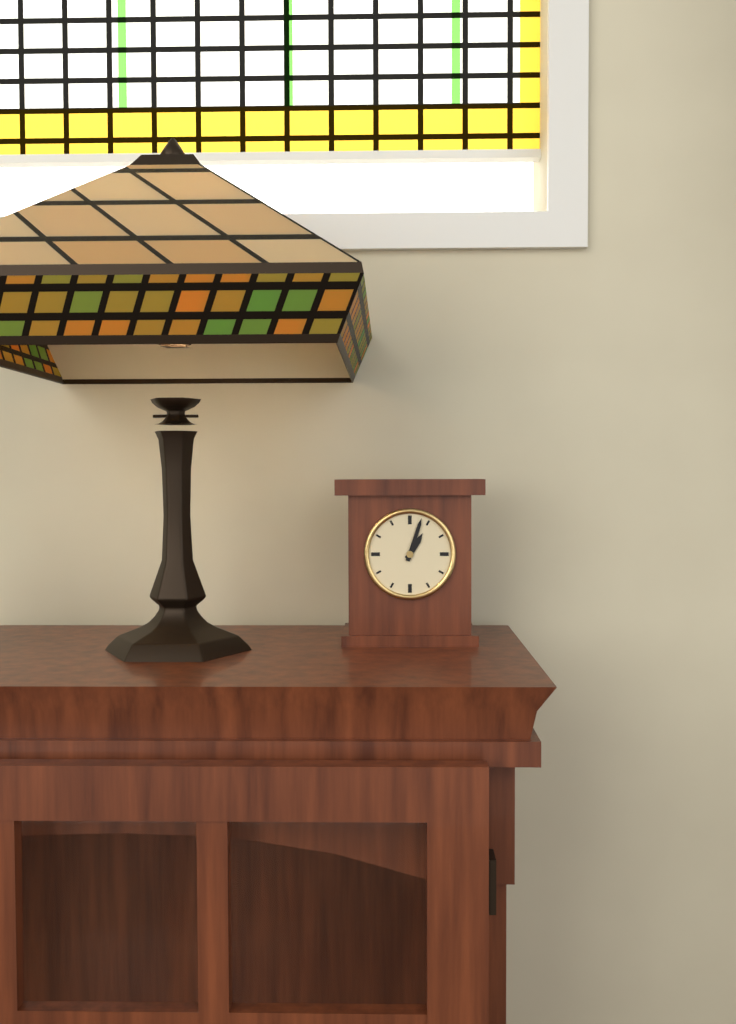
1 h 03 min
